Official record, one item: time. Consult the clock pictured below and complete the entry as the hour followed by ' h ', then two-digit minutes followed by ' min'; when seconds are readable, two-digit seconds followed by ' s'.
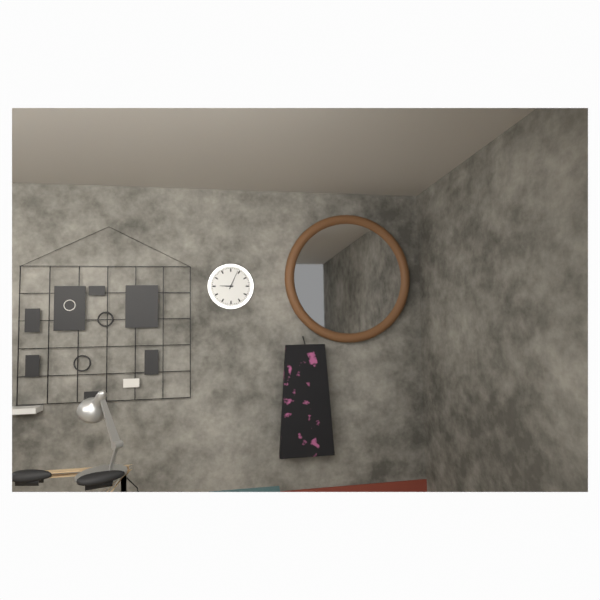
9 h 04 min
